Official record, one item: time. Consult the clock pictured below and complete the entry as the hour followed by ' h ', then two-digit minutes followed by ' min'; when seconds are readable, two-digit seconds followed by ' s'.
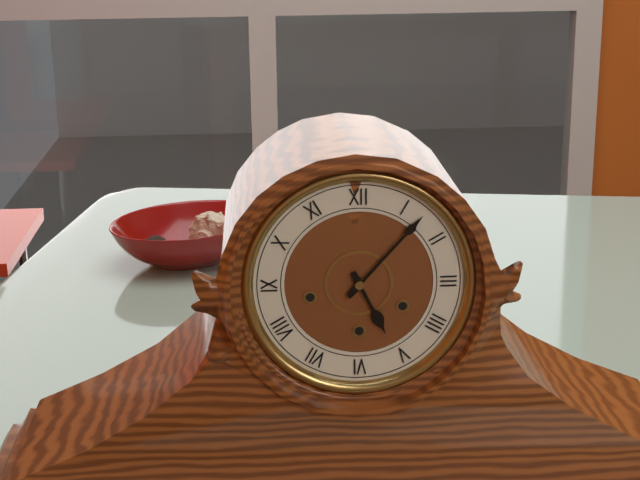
5 h 07 min
